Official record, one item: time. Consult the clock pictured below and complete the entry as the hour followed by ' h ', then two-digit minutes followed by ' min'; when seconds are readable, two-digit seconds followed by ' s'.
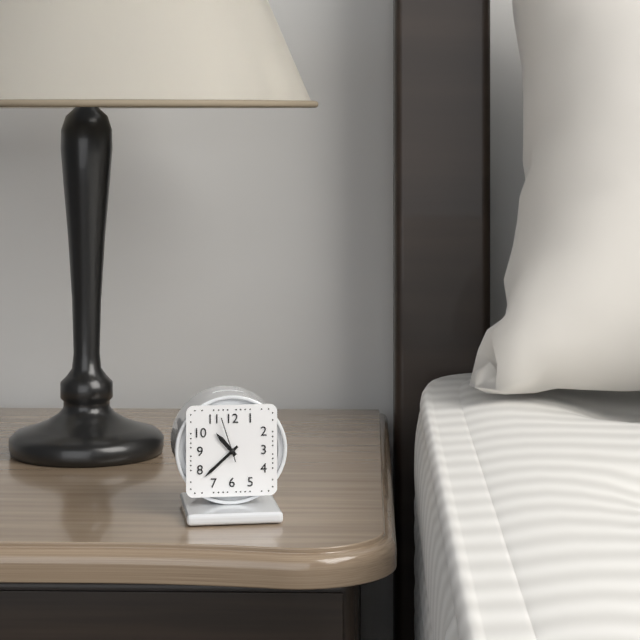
10 h 38 min
